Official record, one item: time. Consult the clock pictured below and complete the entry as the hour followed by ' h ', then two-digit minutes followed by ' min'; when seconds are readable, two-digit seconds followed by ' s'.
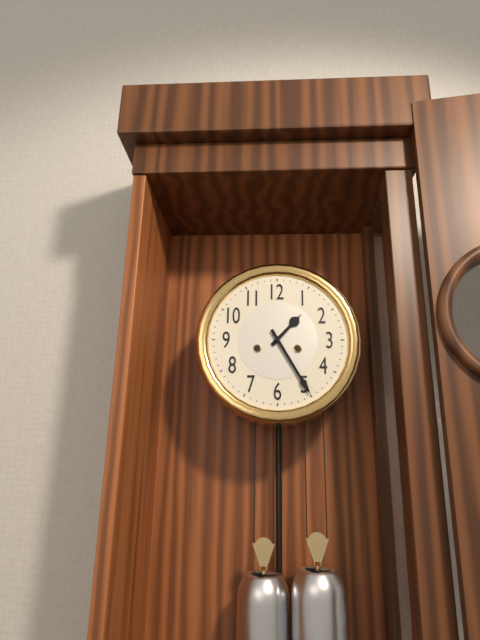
1 h 25 min
